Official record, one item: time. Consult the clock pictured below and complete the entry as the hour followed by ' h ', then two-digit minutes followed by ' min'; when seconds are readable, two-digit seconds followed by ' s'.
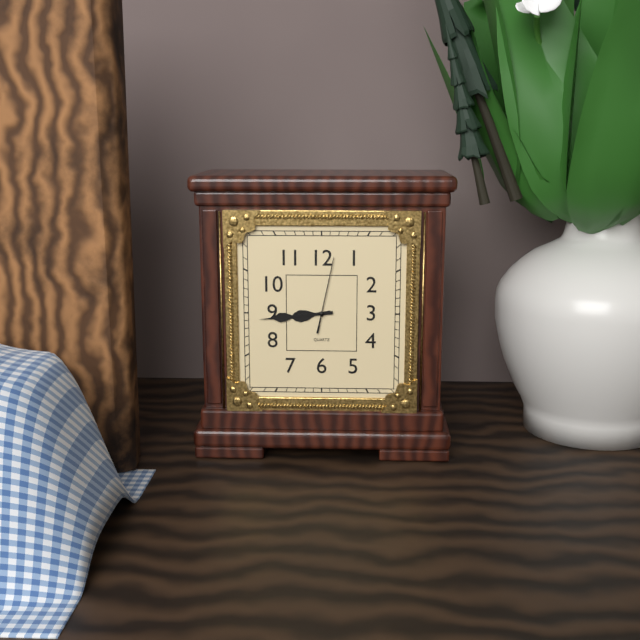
8 h 44 min 02 s
